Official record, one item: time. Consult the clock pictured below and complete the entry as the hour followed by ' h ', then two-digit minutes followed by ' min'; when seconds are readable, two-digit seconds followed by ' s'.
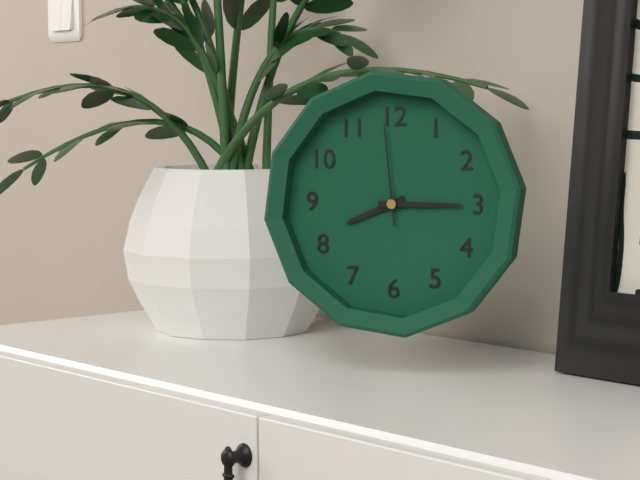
8 h 15 min 59 s
